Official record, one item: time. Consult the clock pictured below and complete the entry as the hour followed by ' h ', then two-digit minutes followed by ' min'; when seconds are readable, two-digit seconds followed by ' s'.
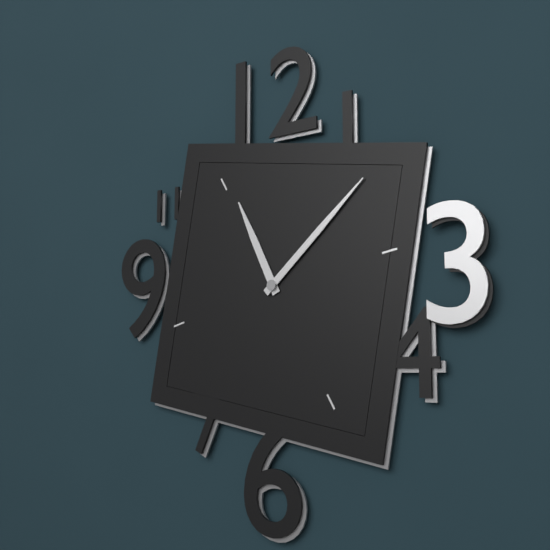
11 h 08 min
